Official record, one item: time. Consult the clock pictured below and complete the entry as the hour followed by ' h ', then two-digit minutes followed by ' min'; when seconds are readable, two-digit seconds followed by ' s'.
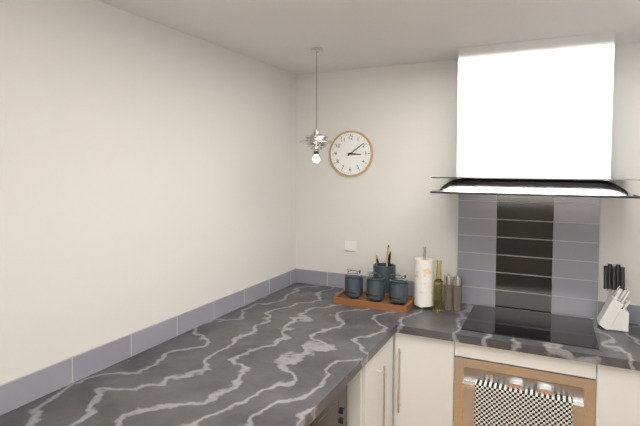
3 h 09 min
